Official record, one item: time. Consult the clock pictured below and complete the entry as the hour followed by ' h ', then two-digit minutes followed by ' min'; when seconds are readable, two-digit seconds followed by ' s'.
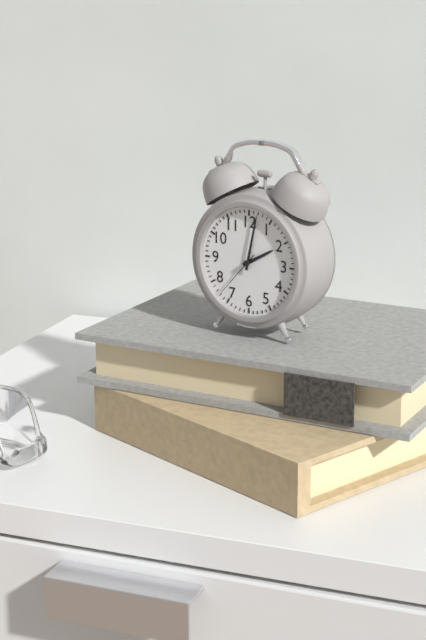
2 h 02 min 37 s
